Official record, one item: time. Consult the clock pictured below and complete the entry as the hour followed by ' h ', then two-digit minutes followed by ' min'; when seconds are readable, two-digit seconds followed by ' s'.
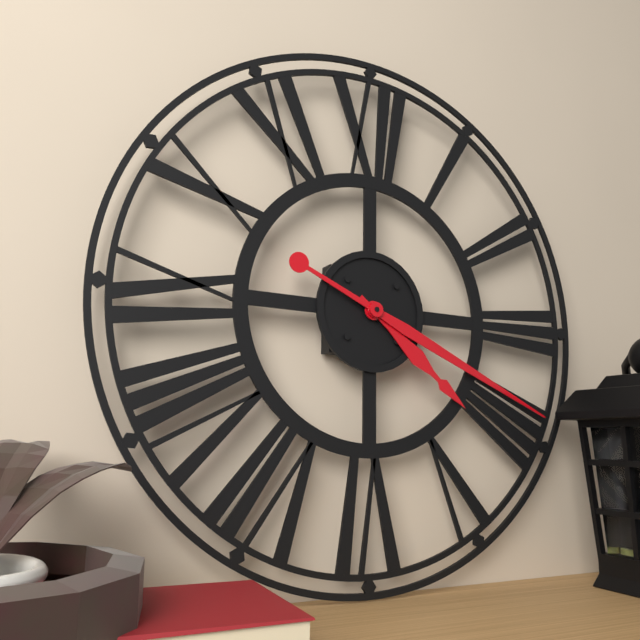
4 h 19 min
